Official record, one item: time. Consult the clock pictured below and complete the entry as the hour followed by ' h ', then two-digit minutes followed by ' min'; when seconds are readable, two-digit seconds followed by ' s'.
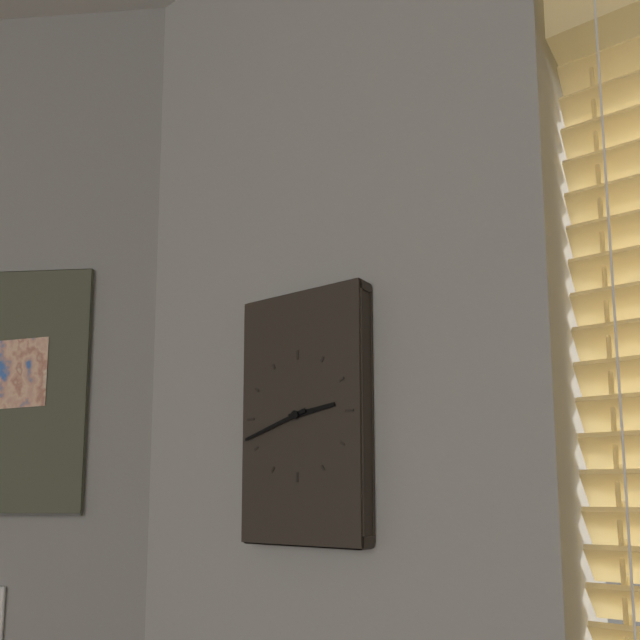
2 h 42 min
